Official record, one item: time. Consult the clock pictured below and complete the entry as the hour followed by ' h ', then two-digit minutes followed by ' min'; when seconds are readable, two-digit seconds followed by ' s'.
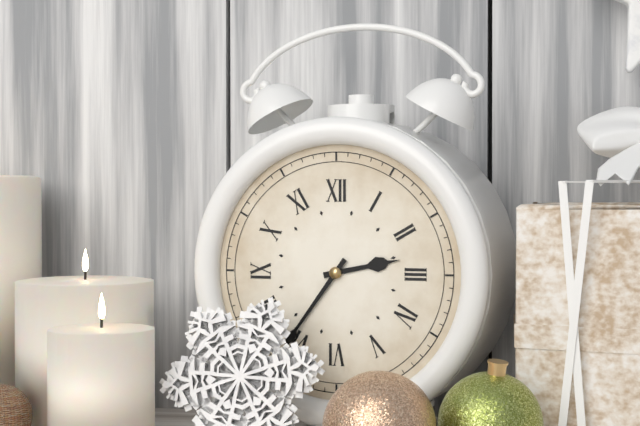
2 h 36 min
